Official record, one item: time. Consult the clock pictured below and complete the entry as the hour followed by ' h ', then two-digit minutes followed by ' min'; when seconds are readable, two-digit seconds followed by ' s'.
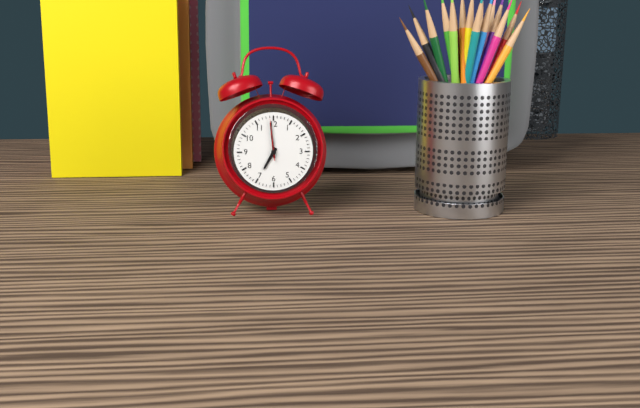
6 h 59 min
